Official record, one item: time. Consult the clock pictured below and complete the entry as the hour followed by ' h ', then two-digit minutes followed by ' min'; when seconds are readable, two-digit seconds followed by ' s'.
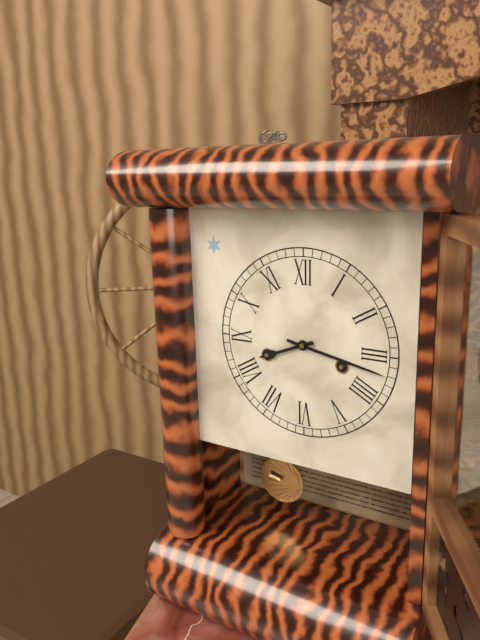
8 h 17 min
